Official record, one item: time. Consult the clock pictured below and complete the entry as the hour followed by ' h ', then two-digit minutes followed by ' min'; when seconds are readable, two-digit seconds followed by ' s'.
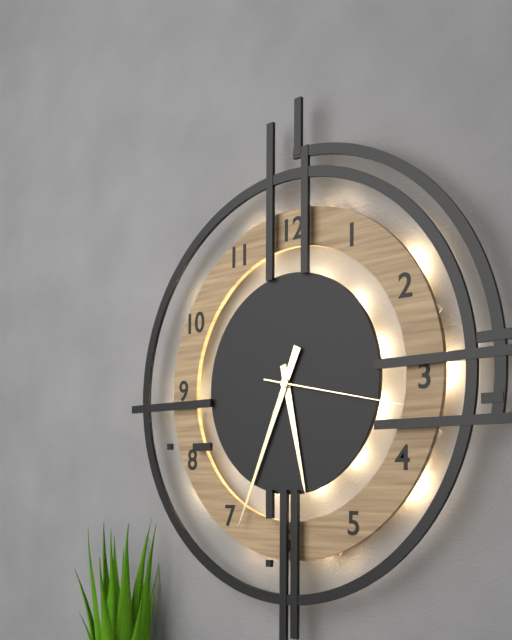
5 h 34 min 17 s
